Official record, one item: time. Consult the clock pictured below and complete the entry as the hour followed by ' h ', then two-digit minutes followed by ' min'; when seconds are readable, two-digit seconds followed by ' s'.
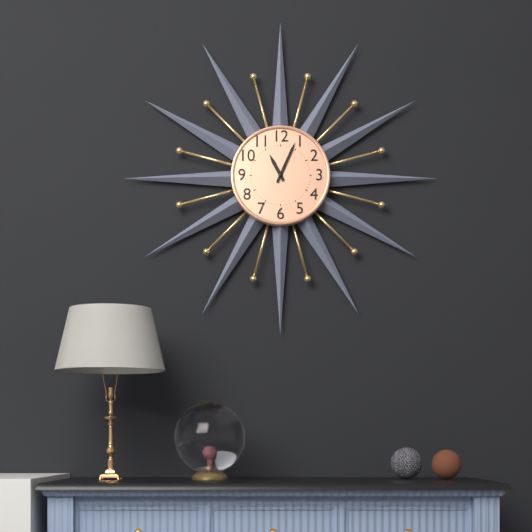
11 h 04 min
